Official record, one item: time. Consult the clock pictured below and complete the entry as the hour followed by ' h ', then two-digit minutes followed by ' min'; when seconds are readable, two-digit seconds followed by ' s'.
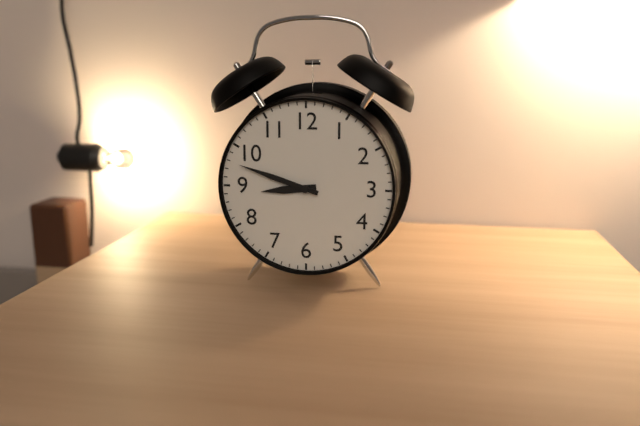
8 h 48 min
